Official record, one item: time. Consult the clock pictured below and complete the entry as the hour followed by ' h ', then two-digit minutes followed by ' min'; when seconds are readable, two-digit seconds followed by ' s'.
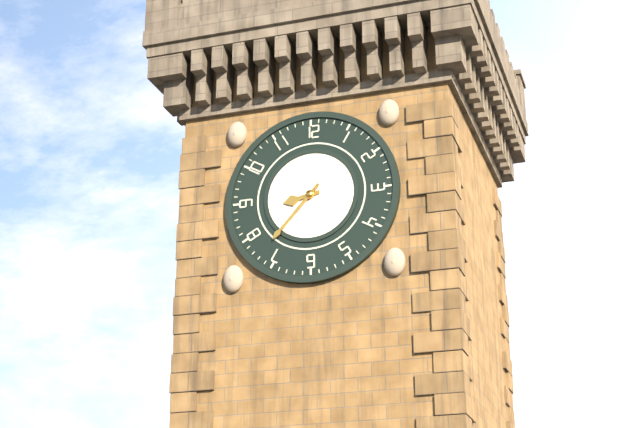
8 h 37 min
